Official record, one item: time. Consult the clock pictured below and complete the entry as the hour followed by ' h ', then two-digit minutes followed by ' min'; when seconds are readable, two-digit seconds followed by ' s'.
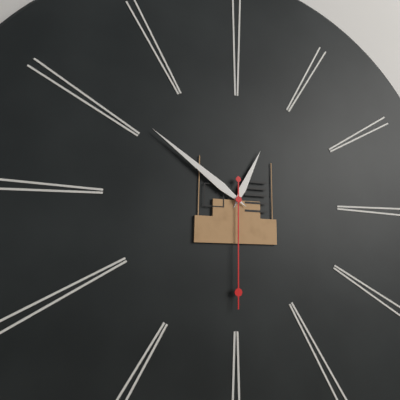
12 h 51 min 30 s
